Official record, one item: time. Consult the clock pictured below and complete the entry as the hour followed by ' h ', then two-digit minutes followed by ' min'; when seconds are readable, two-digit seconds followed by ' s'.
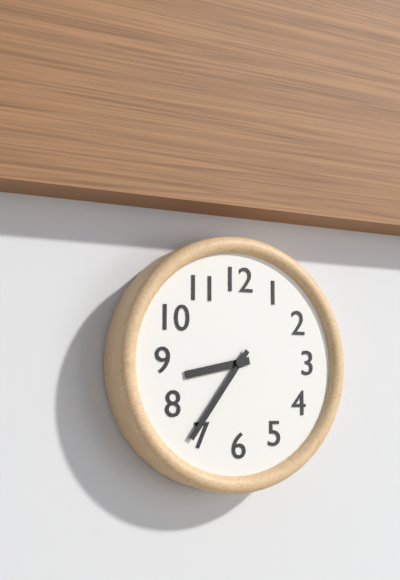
8 h 36 min
